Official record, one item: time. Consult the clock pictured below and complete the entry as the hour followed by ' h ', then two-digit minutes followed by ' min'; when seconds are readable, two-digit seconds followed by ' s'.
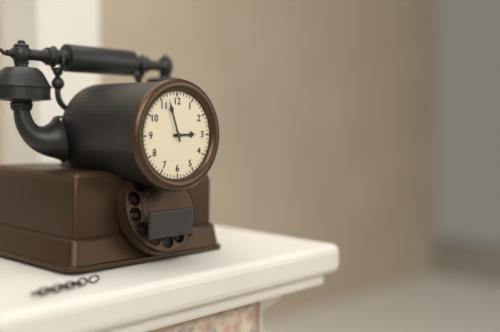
2 h 57 min
